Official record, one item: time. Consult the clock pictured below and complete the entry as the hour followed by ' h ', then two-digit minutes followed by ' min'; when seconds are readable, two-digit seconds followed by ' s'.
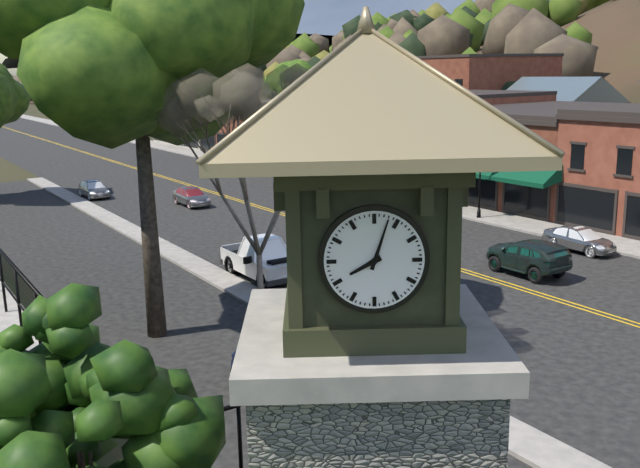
8 h 03 min
